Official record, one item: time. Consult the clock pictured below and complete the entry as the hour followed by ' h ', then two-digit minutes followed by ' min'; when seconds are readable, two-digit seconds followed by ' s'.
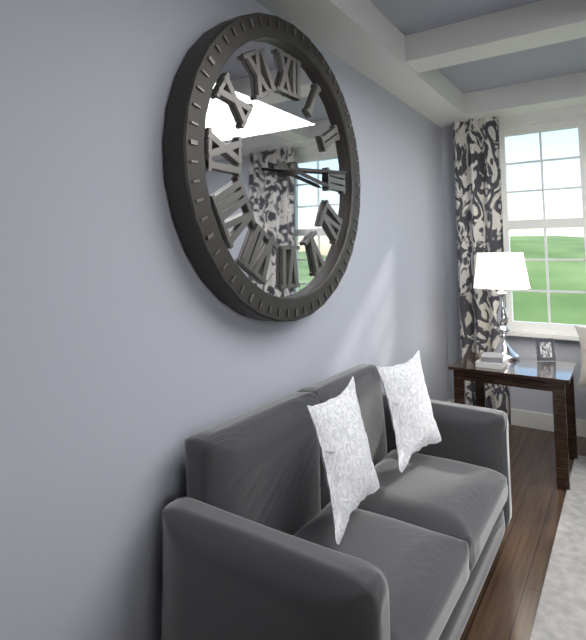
3 h 14 min
